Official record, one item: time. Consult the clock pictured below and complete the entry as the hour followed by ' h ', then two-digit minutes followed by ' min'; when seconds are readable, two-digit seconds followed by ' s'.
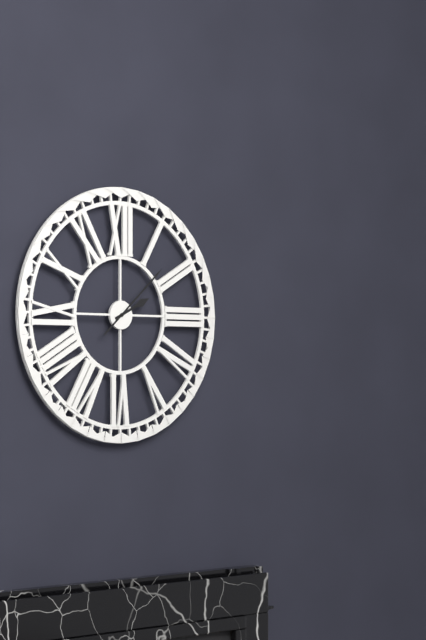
2 h 08 min
